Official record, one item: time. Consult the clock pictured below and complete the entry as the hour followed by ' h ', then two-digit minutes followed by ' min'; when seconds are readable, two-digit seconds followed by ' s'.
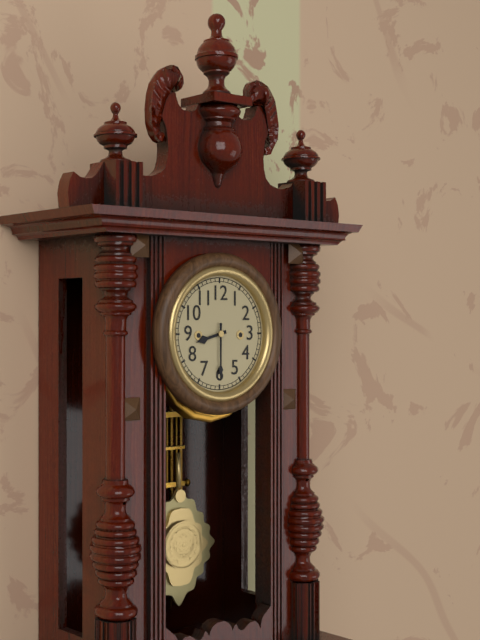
8 h 30 min
